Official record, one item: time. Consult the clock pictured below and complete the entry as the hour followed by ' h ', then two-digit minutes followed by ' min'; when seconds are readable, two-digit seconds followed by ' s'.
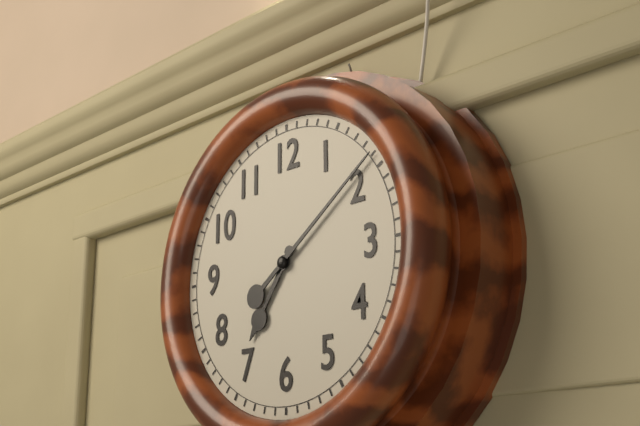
7 h 09 min
